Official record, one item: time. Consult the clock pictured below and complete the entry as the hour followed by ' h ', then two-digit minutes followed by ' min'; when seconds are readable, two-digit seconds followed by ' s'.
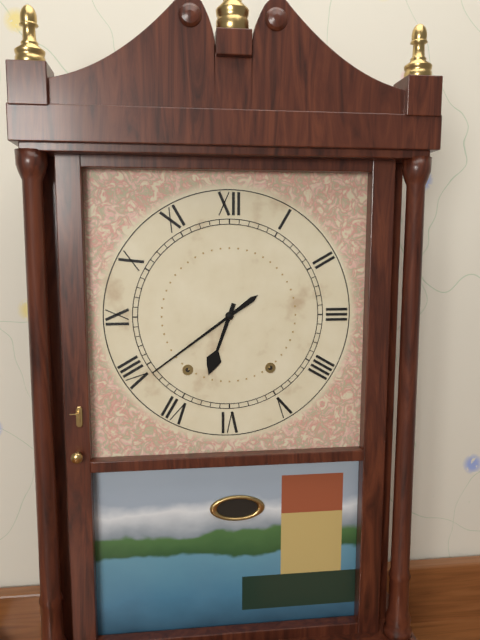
6 h 39 min
